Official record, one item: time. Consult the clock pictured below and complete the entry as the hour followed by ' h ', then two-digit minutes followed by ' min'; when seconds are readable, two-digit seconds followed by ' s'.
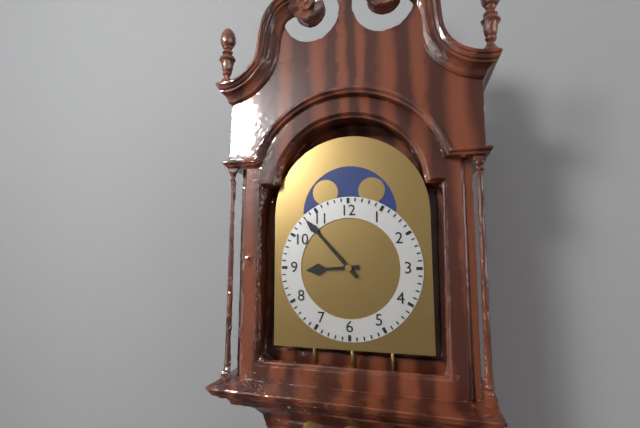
8 h 53 min
